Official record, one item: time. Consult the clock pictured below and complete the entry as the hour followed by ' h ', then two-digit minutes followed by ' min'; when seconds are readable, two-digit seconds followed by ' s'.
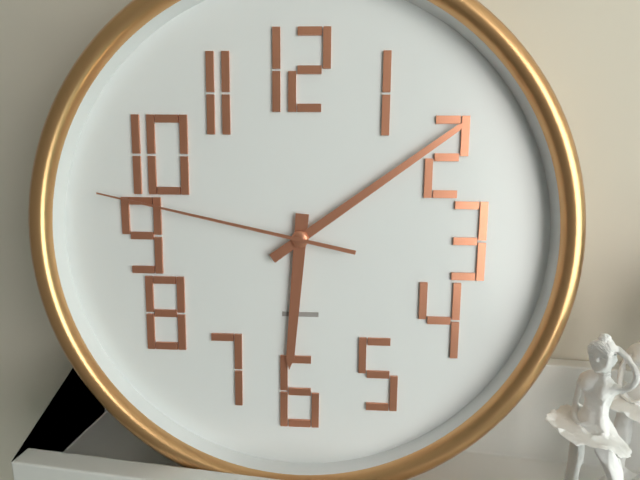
6 h 09 min 47 s
